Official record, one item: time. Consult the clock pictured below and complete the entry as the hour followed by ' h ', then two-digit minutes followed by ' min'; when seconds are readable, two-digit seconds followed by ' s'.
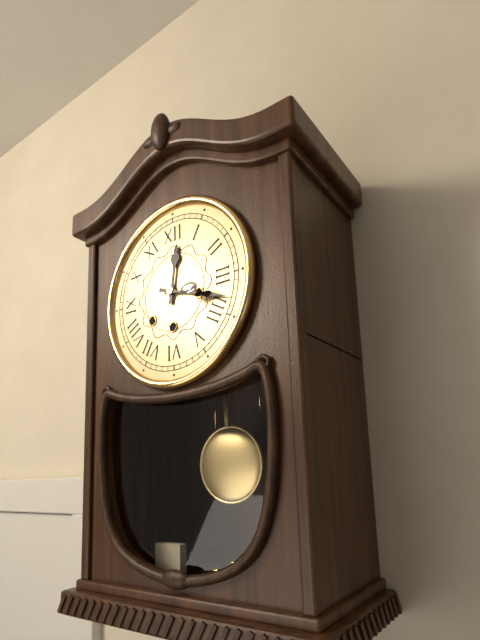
12 h 18 min
